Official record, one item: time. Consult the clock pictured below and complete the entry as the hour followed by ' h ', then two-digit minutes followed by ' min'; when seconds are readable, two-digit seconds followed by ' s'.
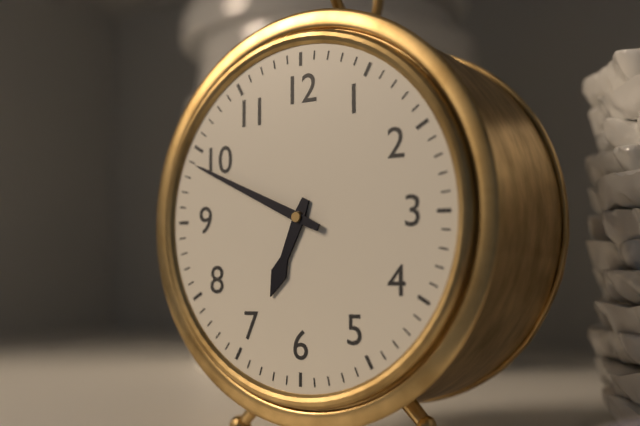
6 h 49 min
